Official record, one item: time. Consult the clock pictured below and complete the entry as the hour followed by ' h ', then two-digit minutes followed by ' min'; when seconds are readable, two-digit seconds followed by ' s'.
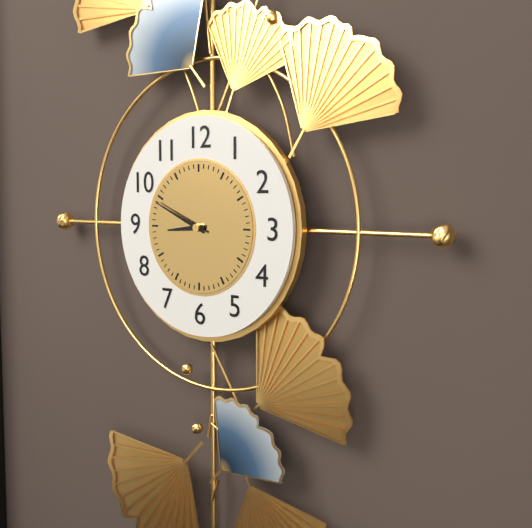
8 h 49 min
